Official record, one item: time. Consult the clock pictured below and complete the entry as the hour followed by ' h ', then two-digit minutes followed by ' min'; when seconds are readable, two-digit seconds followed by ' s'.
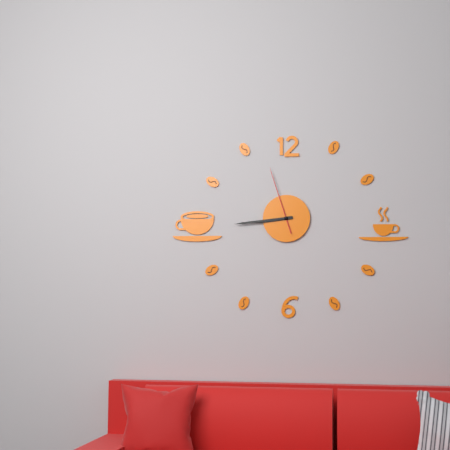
8 h 44 min 57 s
